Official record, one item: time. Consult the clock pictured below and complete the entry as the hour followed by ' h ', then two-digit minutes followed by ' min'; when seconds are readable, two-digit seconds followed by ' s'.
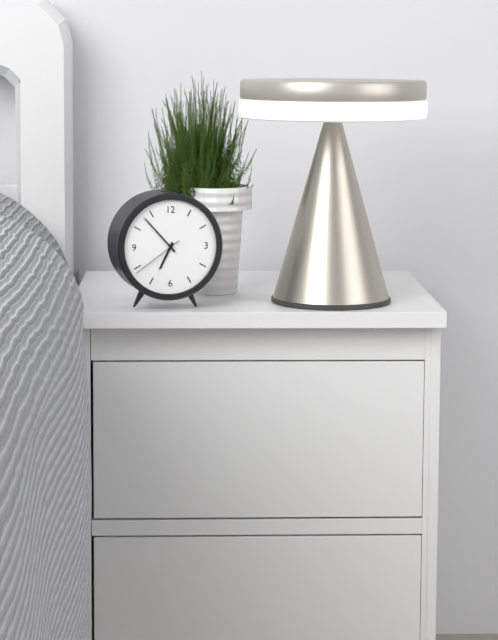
6 h 53 min 39 s
